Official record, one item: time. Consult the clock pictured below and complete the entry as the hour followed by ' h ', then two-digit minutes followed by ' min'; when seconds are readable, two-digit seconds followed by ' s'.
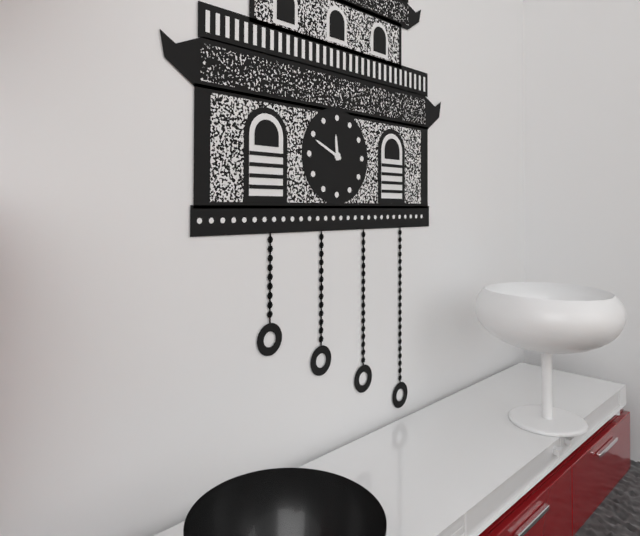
11 h 49 min
